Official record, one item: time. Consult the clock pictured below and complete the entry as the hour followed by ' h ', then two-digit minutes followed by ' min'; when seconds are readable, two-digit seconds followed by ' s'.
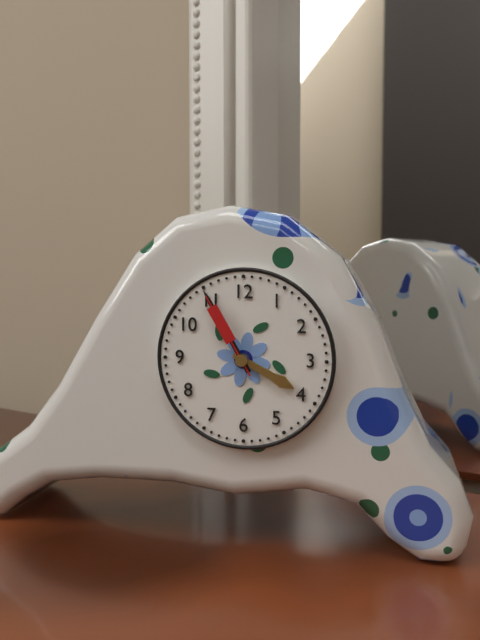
3 h 55 min 55 s
